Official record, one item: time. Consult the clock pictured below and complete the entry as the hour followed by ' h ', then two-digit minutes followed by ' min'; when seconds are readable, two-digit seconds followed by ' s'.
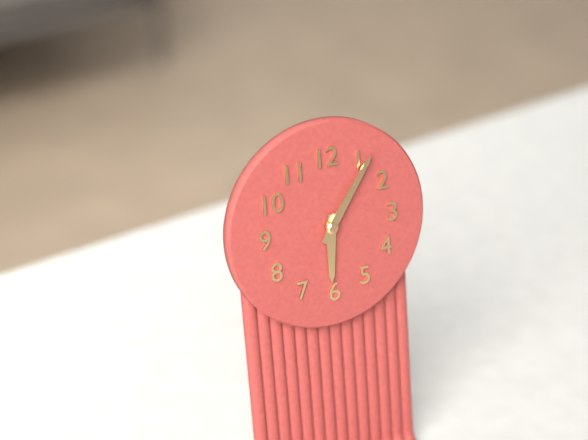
6 h 06 min
